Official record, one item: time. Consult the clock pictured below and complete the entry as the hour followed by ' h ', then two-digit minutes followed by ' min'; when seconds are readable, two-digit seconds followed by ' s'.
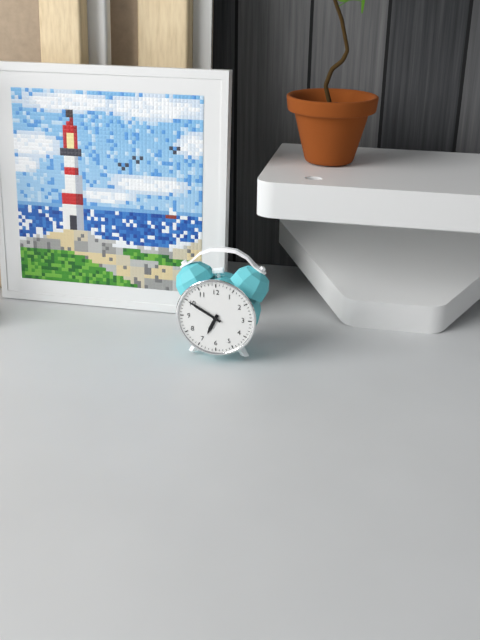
6 h 50 min
